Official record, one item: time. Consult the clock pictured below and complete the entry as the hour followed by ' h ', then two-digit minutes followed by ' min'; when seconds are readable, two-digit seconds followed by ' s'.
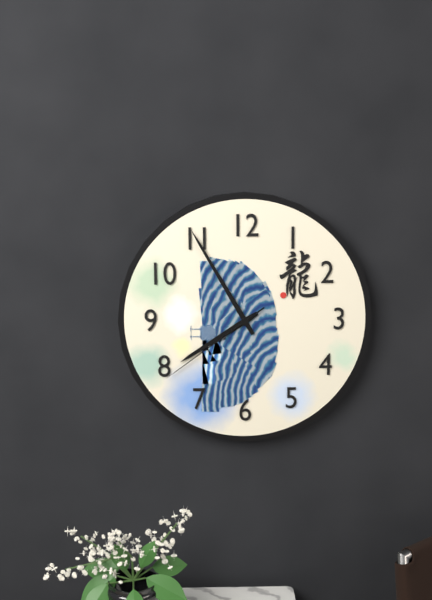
7 h 55 min 39 s
